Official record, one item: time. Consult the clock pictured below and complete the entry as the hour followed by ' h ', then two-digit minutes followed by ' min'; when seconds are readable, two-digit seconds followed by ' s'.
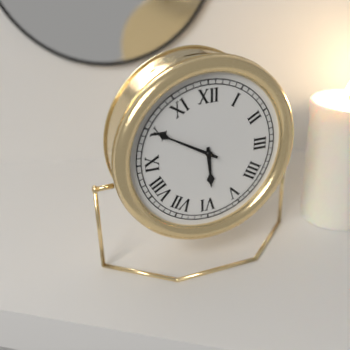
5 h 50 min
